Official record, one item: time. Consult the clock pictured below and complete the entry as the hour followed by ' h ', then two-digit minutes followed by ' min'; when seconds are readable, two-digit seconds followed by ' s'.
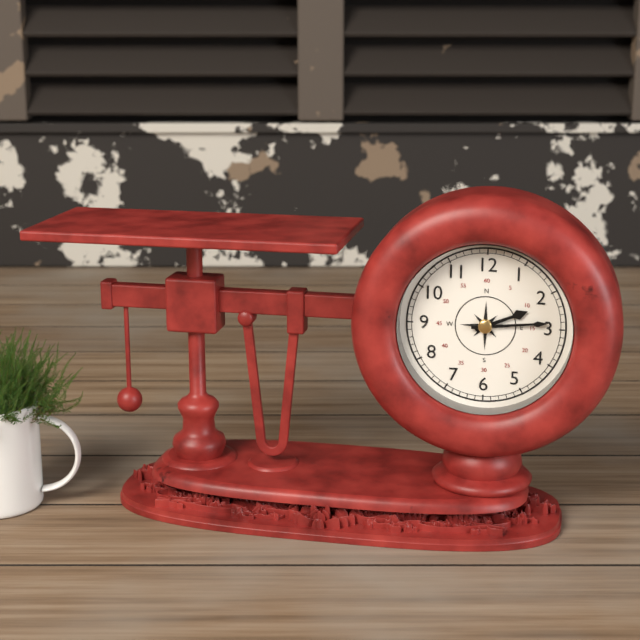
2 h 14 min
